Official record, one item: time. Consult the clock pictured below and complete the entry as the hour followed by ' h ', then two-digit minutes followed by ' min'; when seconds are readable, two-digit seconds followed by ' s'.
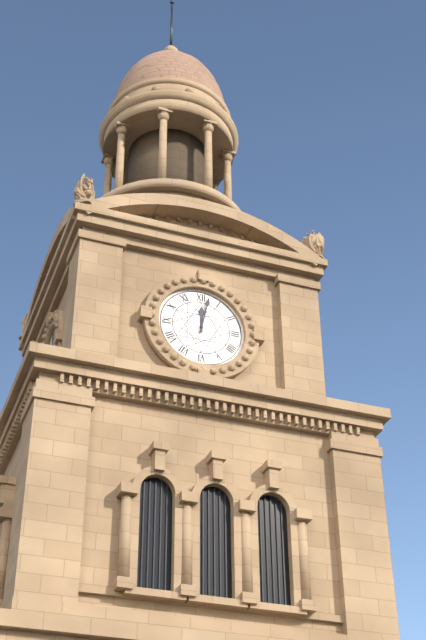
12 h 02 min
